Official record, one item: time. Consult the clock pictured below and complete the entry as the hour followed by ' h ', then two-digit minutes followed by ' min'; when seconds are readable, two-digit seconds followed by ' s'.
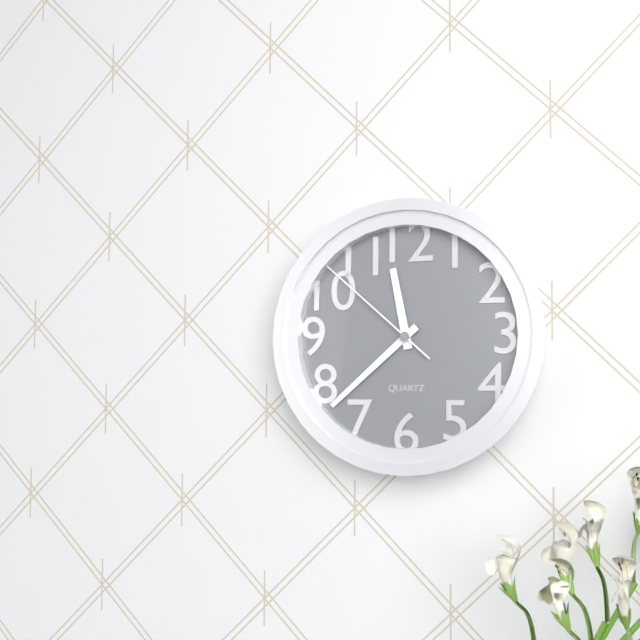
11 h 38 min 52 s
